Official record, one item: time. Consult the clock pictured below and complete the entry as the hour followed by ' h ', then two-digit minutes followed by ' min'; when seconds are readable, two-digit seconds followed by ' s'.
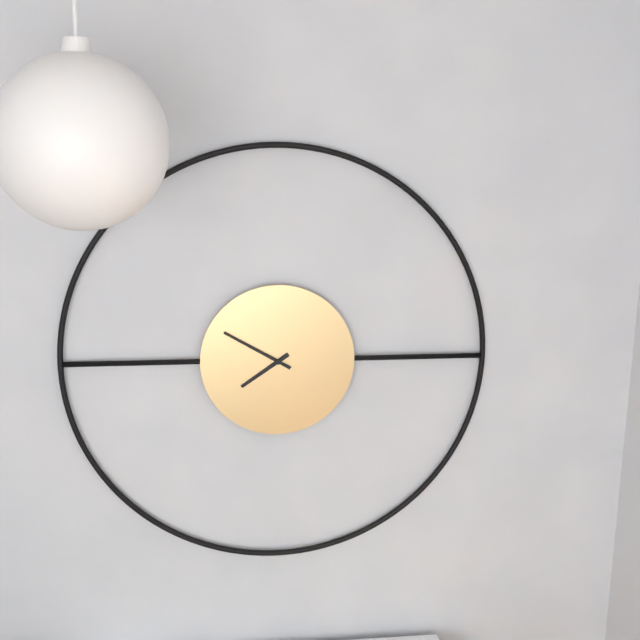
7 h 50 min
